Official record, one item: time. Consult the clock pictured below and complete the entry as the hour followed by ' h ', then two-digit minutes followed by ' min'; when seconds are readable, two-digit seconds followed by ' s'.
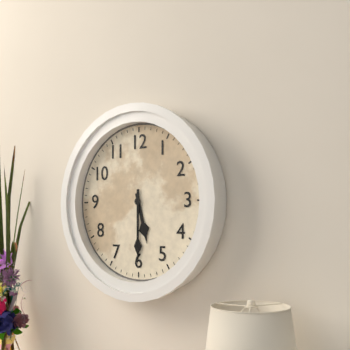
5 h 30 min
